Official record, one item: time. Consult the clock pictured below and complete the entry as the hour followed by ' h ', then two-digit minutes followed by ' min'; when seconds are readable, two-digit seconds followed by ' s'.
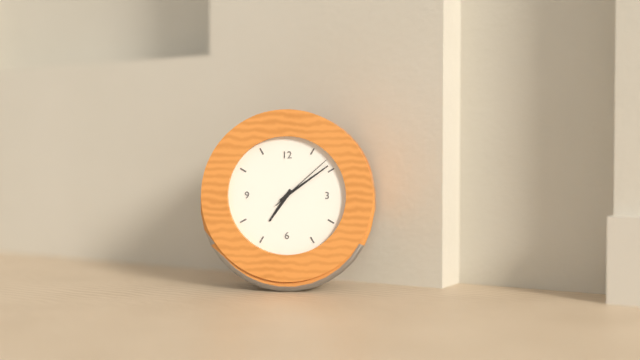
7 h 09 min 08 s
